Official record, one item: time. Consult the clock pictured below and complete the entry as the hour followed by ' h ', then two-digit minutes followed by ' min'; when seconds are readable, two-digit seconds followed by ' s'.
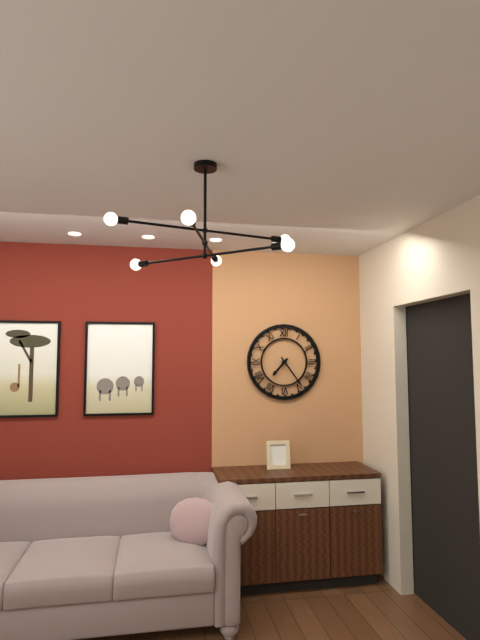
7 h 24 min
